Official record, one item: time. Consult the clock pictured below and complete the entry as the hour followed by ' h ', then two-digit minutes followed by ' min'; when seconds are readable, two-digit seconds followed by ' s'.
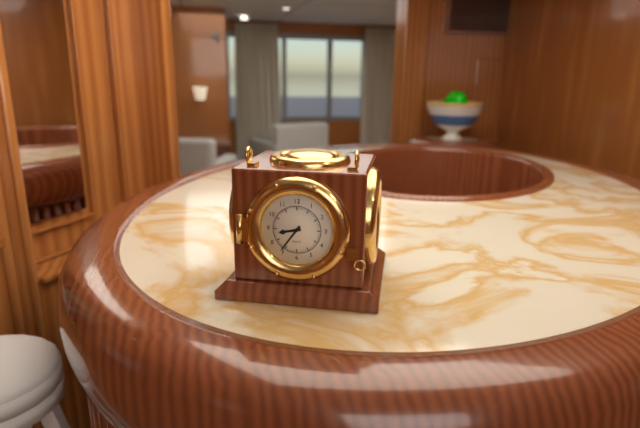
8 h 36 min
